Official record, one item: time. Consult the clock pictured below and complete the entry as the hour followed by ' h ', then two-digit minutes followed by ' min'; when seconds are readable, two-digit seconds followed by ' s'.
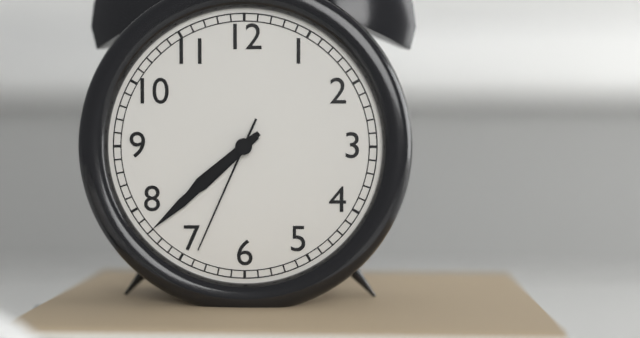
7 h 38 min 34 s
